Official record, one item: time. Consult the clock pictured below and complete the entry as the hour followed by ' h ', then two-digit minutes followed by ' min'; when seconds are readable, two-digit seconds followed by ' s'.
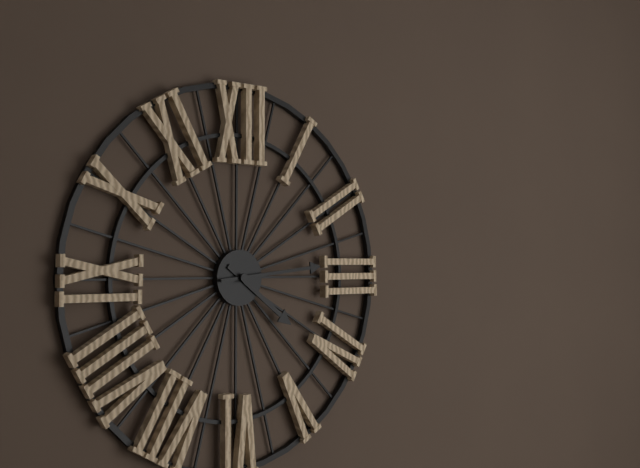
4 h 14 min
